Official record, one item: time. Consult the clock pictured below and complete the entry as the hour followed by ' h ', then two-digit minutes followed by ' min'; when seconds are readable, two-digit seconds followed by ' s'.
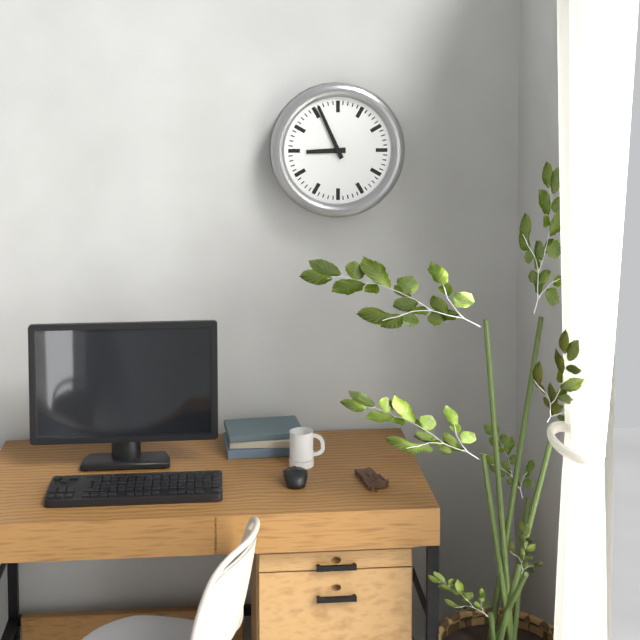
8 h 56 min
